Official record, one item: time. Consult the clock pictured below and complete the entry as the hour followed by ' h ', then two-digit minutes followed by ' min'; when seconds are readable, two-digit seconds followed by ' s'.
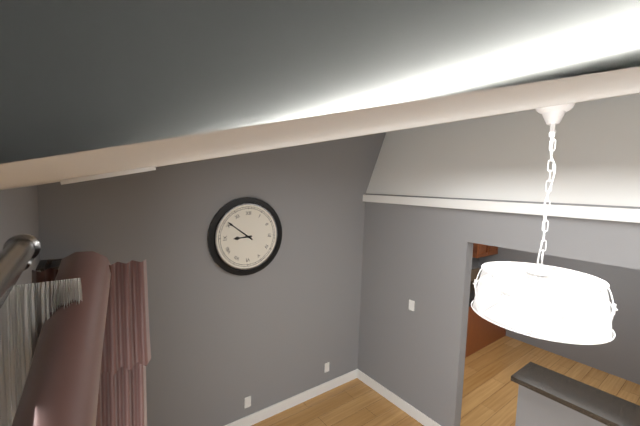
8 h 51 min
